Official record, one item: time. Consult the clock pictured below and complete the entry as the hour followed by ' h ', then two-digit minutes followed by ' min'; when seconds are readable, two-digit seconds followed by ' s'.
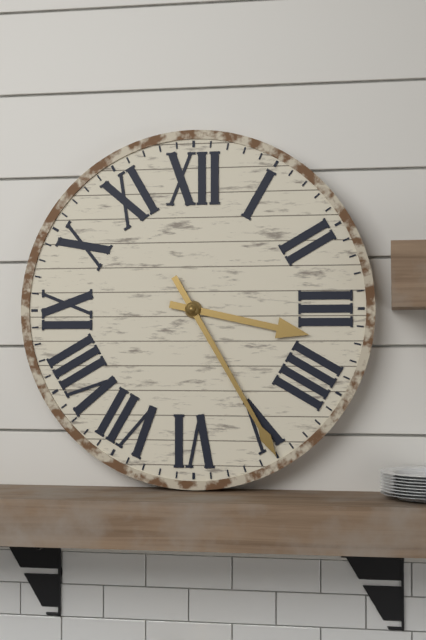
3 h 25 min
